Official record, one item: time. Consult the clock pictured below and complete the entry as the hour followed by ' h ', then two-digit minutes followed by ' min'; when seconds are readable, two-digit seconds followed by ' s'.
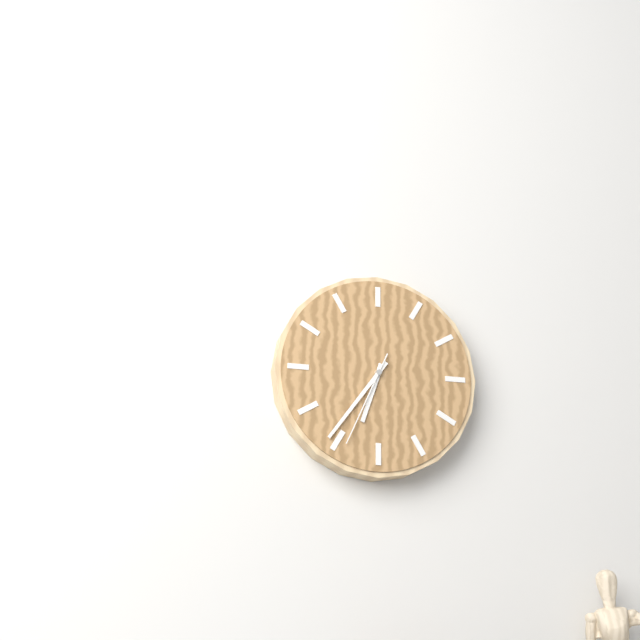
6 h 36 min 34 s
